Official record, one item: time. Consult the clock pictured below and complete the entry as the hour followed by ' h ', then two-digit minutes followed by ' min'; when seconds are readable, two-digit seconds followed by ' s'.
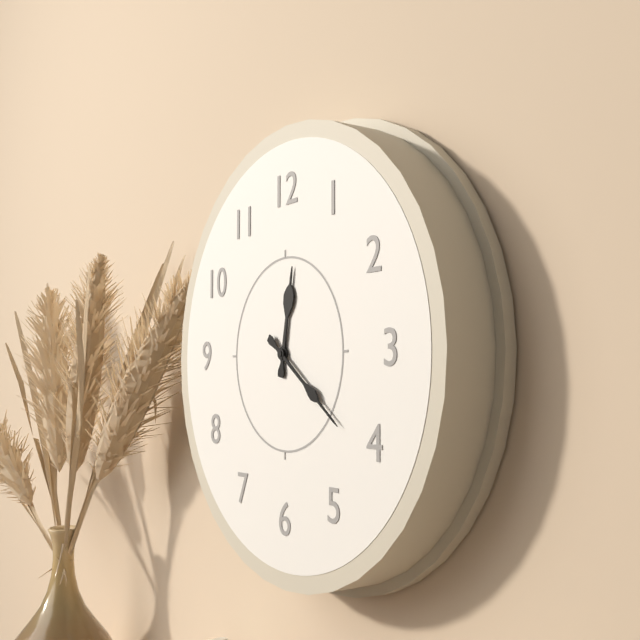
12 h 21 min
